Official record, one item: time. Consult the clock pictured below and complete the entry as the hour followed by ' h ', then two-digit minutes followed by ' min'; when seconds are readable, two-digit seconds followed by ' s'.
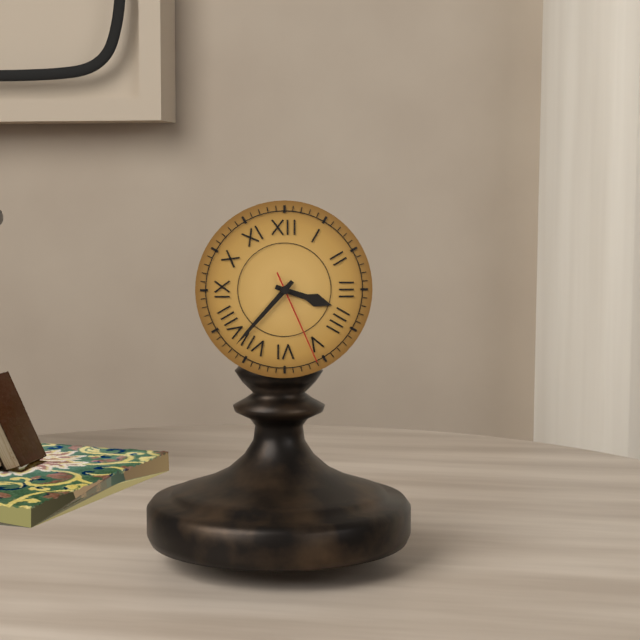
3 h 37 min 26 s
